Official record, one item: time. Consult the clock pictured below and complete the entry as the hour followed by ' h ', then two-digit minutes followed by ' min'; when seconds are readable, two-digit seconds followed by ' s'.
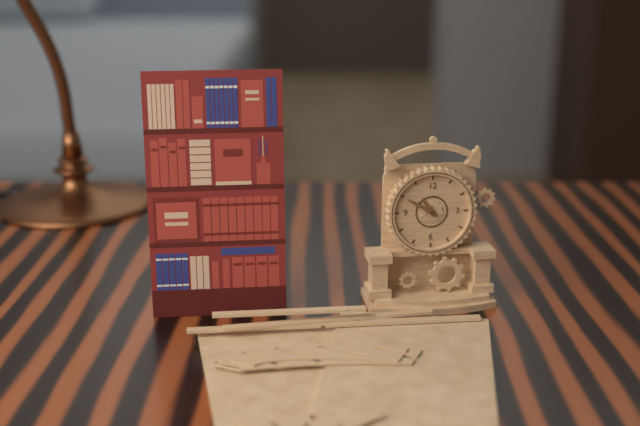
10 h 50 min
